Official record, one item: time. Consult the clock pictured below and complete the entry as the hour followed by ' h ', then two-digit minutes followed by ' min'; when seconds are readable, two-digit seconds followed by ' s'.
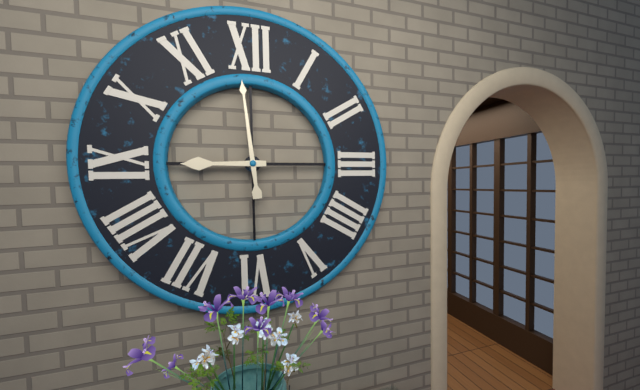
8 h 59 min
